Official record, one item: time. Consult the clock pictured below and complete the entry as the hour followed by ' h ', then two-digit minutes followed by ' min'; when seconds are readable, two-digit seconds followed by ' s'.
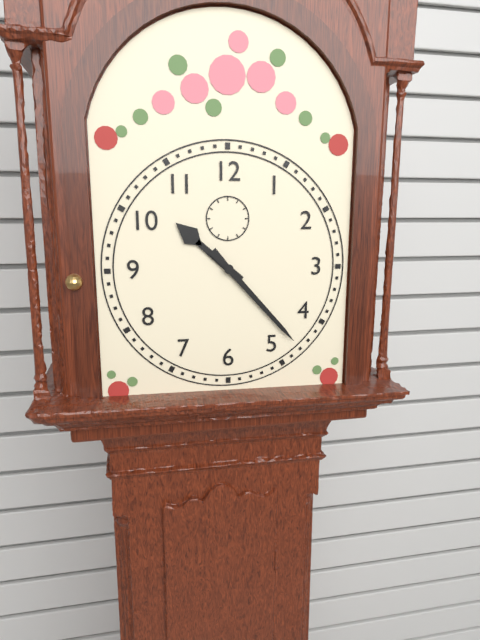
10 h 23 min
